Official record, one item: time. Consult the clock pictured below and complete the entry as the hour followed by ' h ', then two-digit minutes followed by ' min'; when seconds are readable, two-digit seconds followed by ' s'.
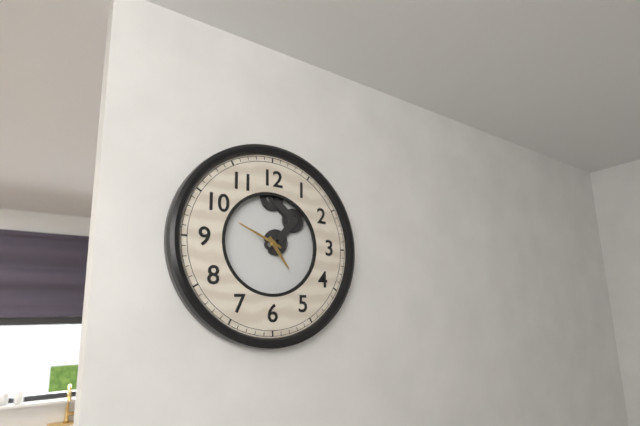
4 h 49 min
